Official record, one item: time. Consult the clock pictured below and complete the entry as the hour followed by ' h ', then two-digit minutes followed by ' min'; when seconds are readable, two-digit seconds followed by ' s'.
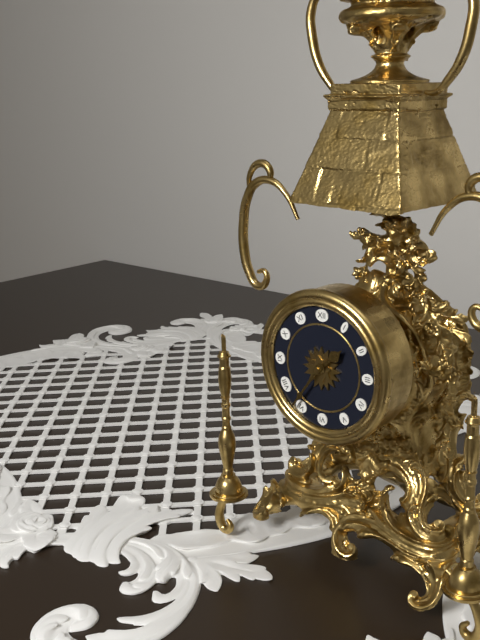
1 h 36 min
